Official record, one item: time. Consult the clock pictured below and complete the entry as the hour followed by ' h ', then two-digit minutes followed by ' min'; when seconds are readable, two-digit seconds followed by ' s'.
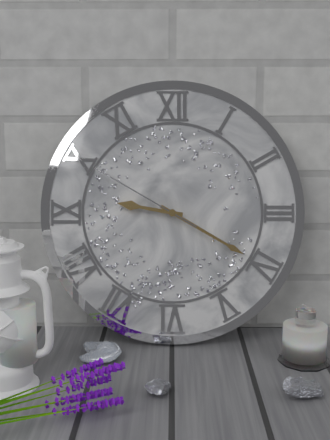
9 h 20 min 50 s
